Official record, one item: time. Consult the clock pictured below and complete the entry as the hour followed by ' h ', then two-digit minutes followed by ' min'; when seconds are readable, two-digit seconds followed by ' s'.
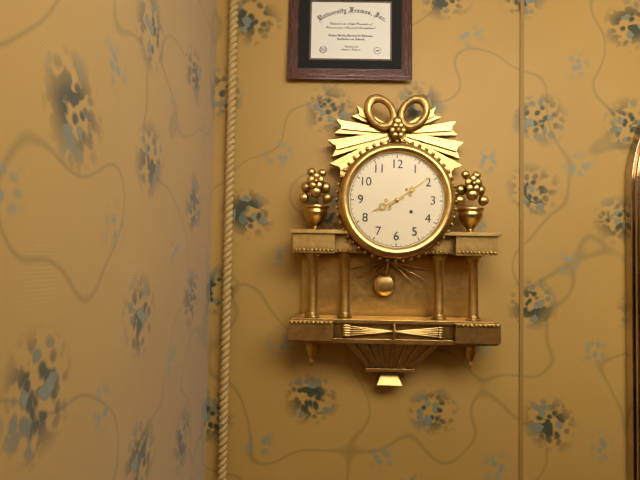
8 h 09 min
